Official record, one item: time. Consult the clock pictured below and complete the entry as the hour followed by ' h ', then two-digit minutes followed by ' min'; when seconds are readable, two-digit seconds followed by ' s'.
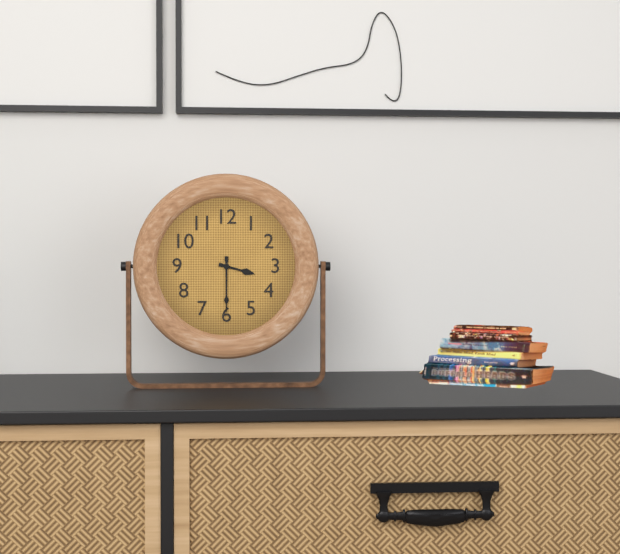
3 h 30 min
